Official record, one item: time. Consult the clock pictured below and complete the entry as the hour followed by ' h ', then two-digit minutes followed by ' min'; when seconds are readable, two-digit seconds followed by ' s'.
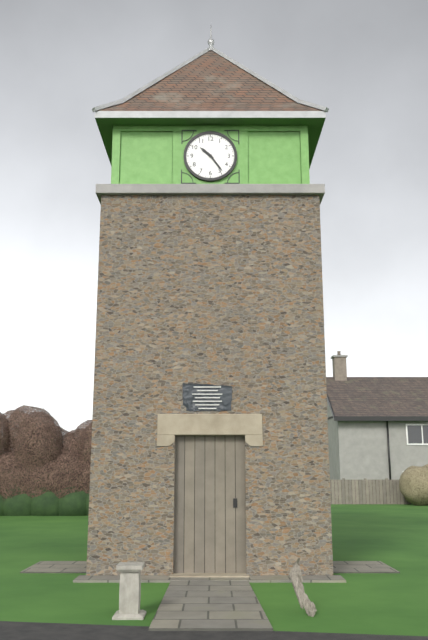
10 h 24 min
